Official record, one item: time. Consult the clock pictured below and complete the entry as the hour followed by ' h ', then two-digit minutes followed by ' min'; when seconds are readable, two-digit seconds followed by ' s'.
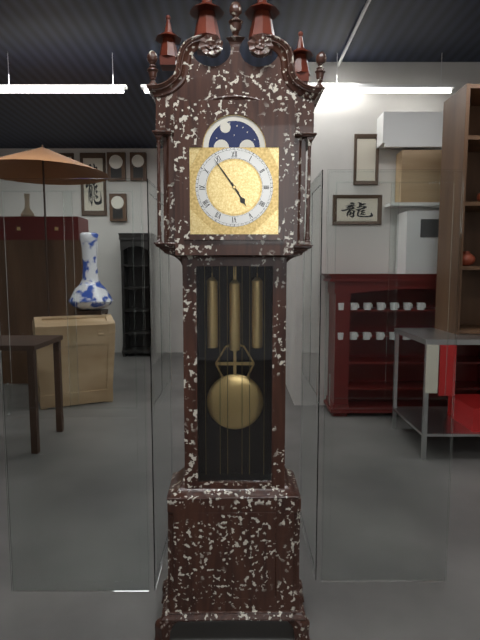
4 h 54 min
